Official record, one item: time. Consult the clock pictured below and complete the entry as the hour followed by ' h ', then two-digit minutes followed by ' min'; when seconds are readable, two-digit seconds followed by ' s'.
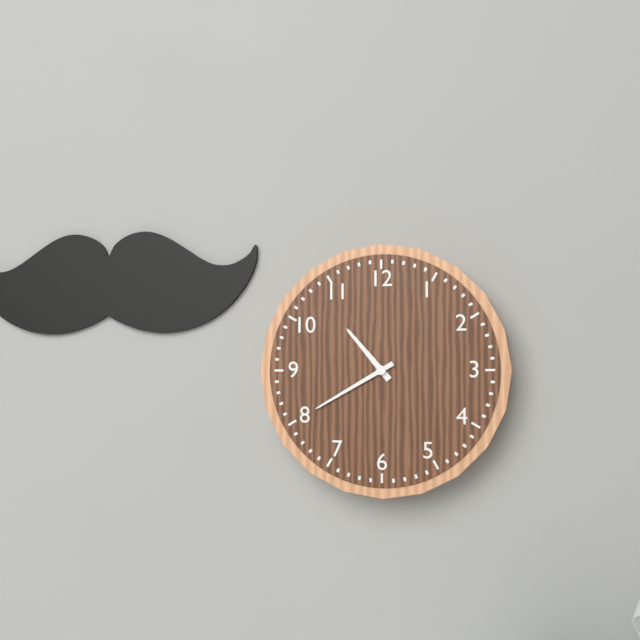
10 h 40 min
